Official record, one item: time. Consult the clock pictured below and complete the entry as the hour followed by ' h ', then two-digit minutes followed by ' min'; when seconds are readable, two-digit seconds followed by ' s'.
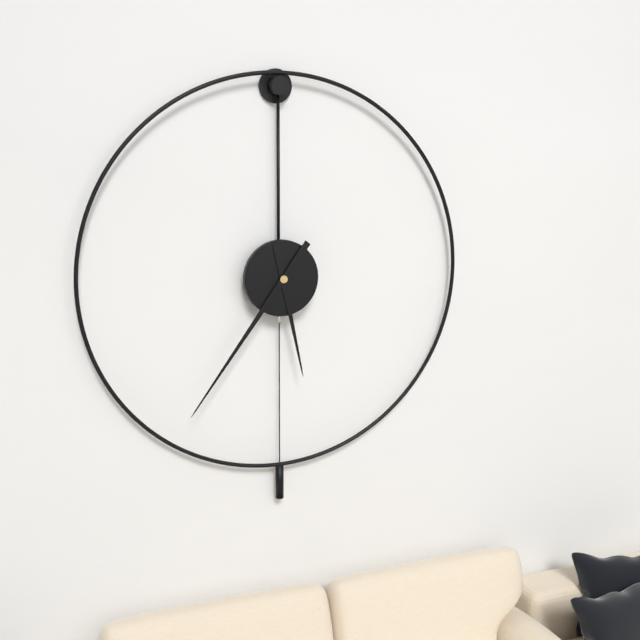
5 h 36 min
